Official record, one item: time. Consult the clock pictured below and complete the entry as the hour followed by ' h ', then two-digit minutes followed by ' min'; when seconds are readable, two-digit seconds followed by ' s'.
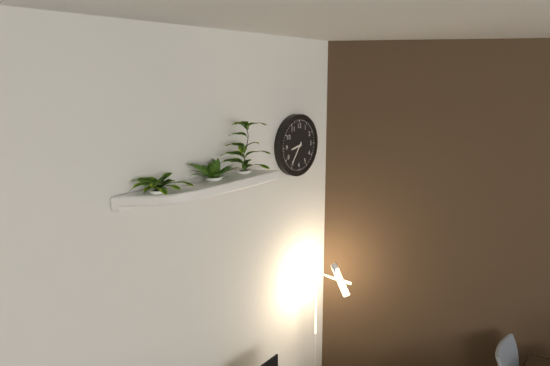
8 h 36 min
